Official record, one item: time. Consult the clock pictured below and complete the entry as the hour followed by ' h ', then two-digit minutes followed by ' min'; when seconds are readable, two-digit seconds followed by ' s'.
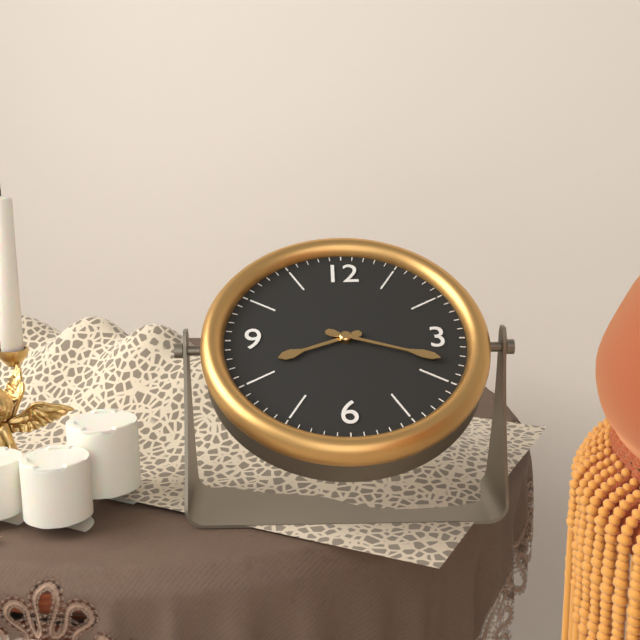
8 h 18 min
